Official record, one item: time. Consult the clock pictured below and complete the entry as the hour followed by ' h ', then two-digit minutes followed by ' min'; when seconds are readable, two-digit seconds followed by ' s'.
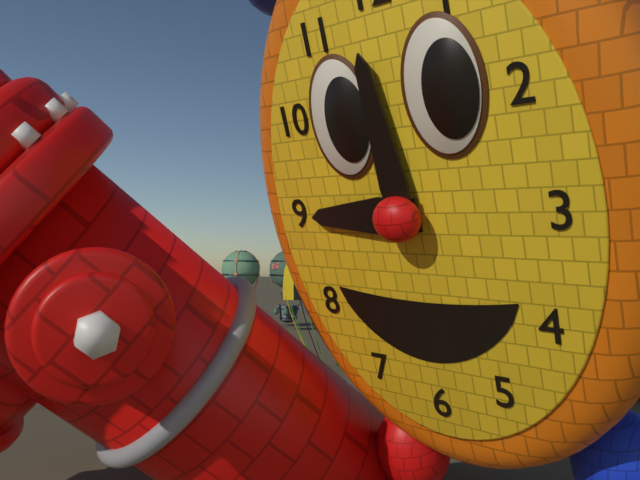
8 h 59 min
